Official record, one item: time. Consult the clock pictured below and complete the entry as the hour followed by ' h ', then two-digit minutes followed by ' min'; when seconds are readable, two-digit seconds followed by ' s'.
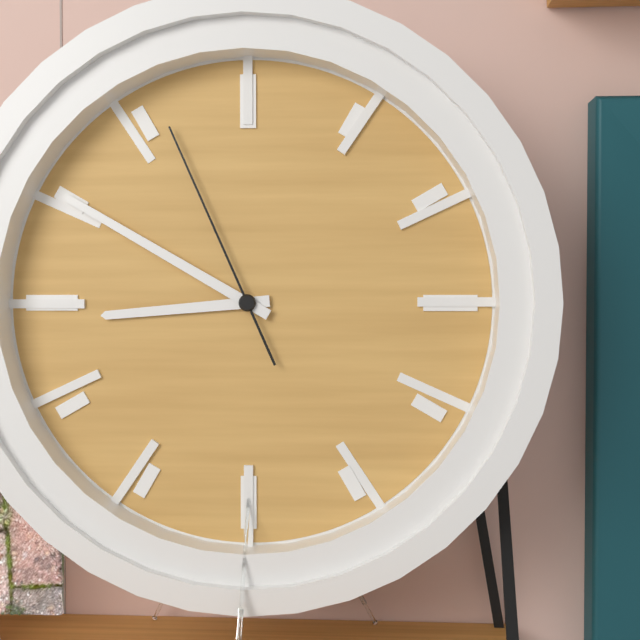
8 h 50 min 56 s
